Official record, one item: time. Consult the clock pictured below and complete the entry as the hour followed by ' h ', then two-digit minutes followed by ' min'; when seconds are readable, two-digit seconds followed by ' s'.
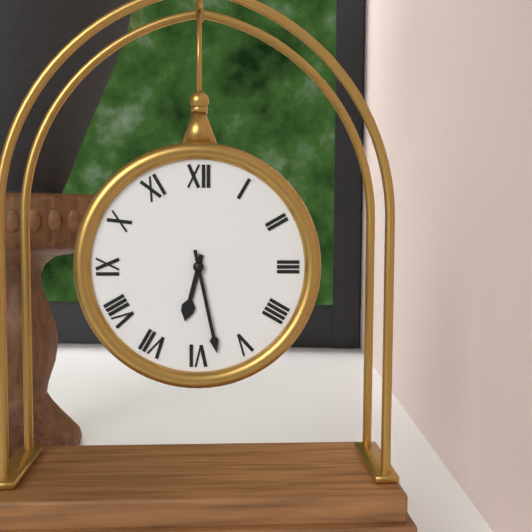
6 h 28 min
